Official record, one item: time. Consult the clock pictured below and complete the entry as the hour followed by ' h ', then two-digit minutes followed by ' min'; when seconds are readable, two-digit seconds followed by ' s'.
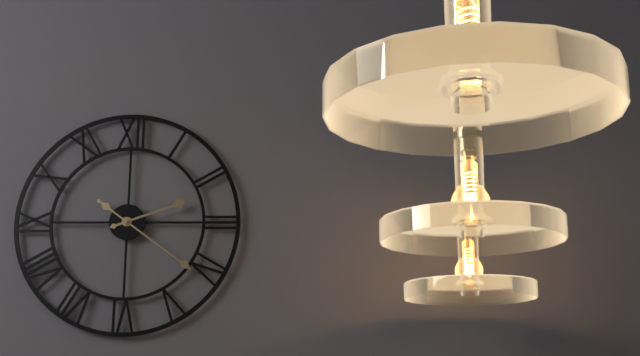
2 h 21 min
